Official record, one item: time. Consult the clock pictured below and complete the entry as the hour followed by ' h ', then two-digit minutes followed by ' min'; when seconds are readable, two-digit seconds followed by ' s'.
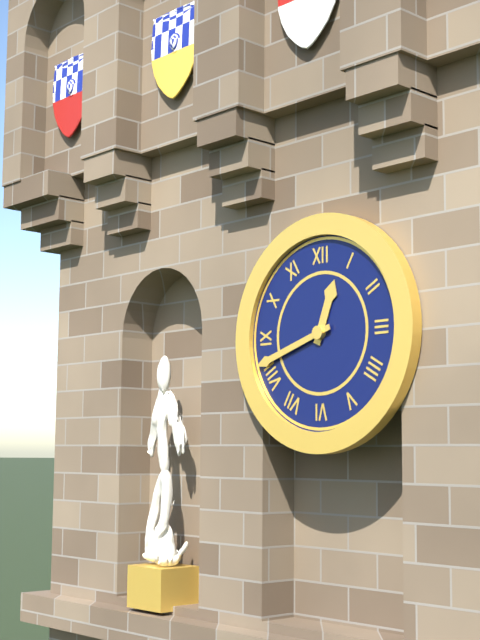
12 h 42 min
